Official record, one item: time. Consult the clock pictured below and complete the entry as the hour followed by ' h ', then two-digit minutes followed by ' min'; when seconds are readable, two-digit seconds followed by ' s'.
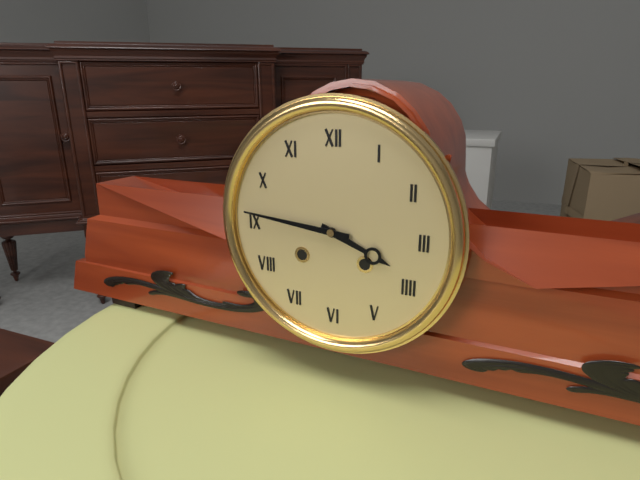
3 h 46 min
